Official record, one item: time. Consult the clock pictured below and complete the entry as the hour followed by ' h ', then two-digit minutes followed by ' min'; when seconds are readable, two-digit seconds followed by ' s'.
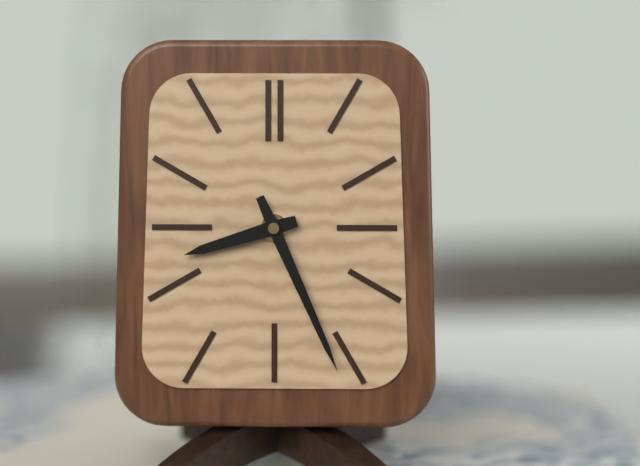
8 h 26 min
